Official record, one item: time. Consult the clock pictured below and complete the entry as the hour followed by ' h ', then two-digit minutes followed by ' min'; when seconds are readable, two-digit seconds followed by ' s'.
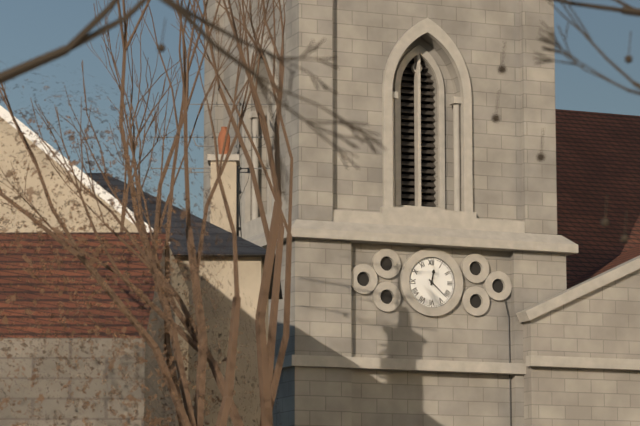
12 h 22 min
